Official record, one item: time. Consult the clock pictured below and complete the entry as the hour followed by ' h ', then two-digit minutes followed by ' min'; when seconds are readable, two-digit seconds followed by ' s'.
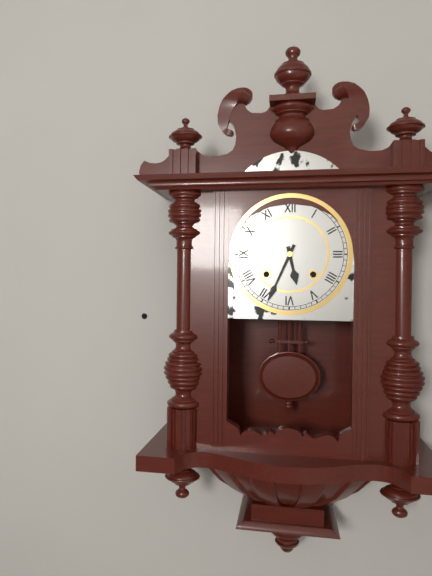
5 h 34 min
